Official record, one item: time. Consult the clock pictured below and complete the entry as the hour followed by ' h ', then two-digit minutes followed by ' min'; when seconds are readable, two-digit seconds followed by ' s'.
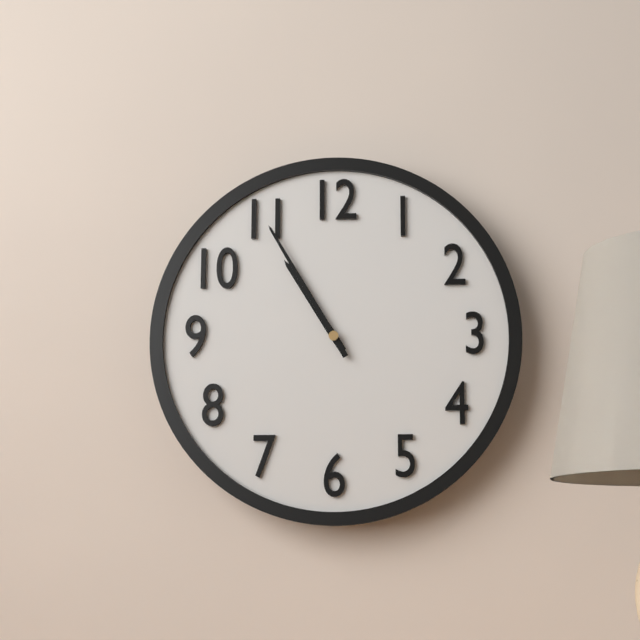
10 h 55 min
